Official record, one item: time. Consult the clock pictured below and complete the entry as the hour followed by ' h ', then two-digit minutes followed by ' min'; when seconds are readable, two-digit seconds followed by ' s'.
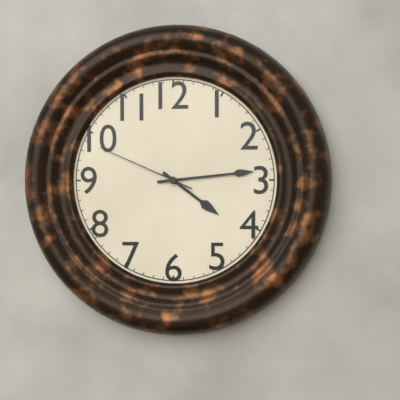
4 h 14 min 49 s
